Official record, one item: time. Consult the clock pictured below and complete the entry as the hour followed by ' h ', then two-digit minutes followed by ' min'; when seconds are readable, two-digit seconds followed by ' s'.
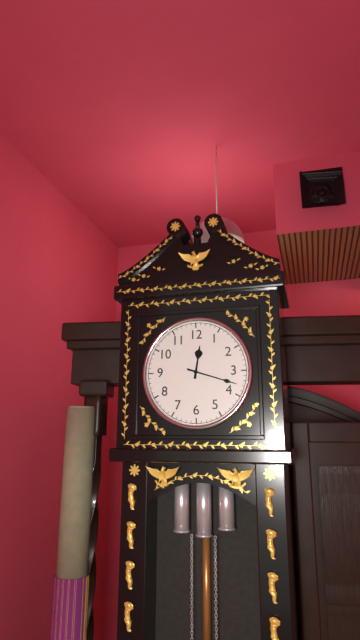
12 h 18 min
